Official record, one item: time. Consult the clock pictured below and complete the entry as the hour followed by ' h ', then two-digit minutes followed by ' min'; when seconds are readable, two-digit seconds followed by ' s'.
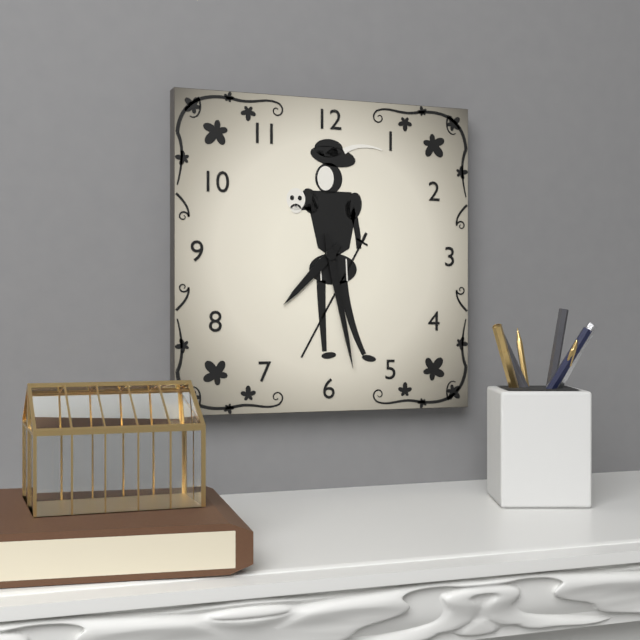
7 h 28 min
